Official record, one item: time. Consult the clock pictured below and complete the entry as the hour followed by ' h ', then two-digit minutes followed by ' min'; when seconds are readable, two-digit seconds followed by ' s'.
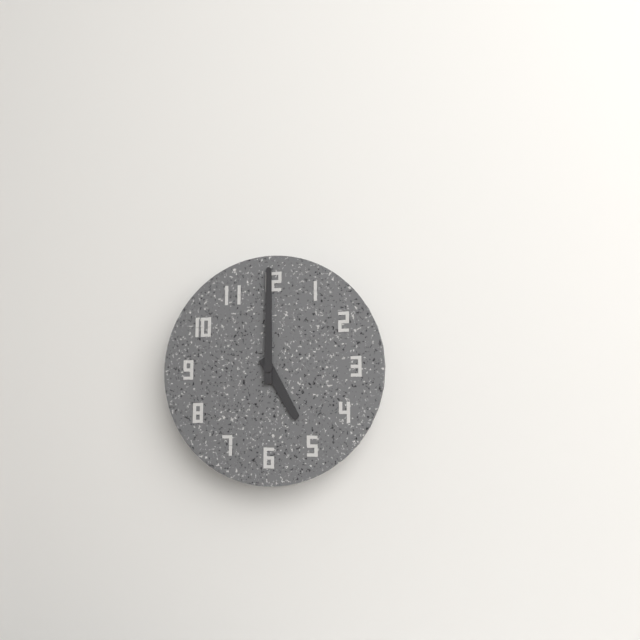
5 h 00 min
